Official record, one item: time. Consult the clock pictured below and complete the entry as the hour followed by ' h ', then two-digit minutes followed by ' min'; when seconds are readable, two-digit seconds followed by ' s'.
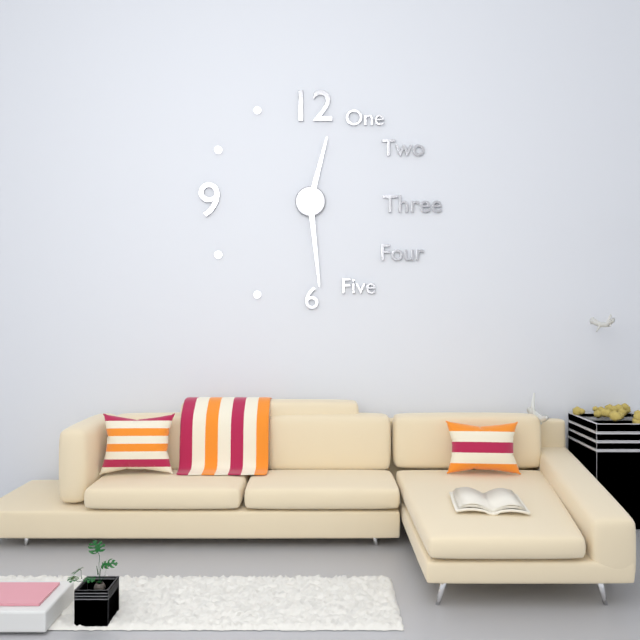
12 h 29 min
